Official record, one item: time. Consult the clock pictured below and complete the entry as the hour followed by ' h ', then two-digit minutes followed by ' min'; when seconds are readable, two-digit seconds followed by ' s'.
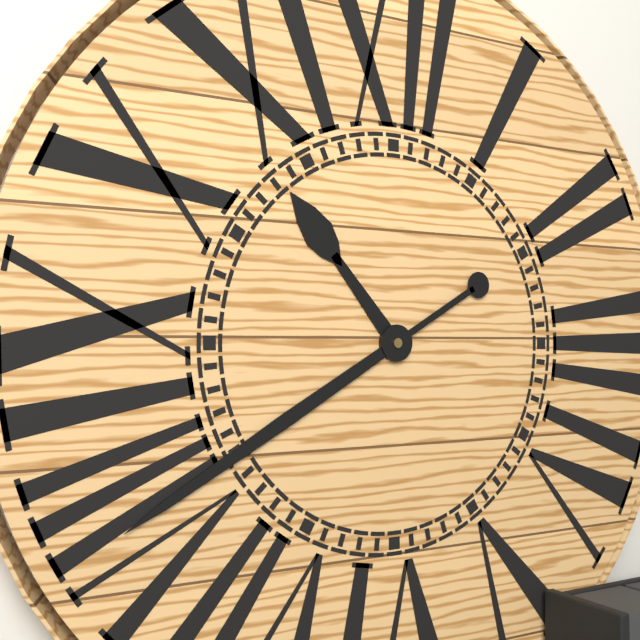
10 h 40 min
